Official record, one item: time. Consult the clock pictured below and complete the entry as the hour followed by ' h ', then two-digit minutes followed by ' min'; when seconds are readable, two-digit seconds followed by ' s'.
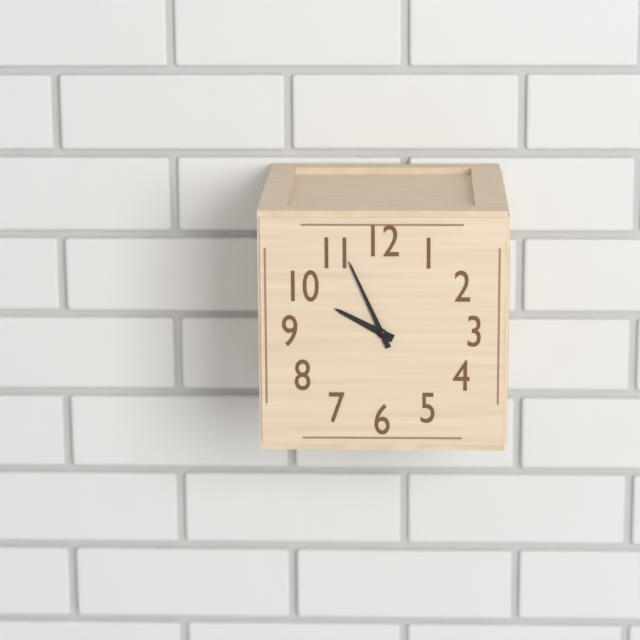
9 h 56 min
